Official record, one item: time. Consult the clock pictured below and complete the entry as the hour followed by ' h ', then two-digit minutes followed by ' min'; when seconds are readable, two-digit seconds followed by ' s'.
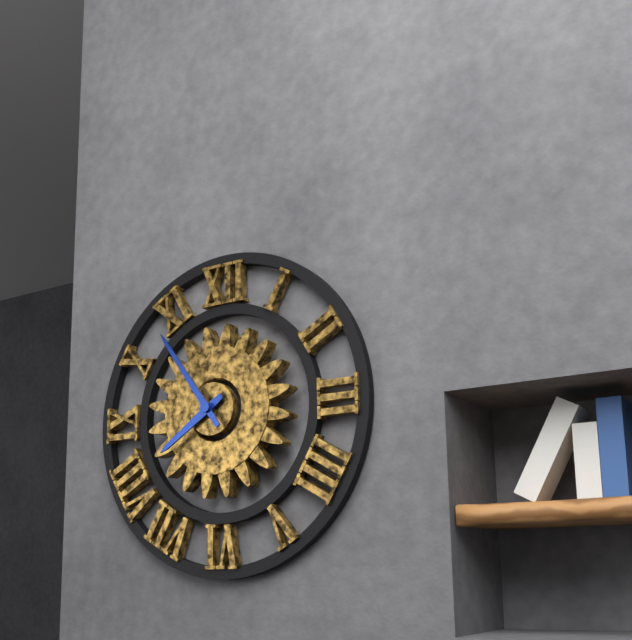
7 h 54 min
